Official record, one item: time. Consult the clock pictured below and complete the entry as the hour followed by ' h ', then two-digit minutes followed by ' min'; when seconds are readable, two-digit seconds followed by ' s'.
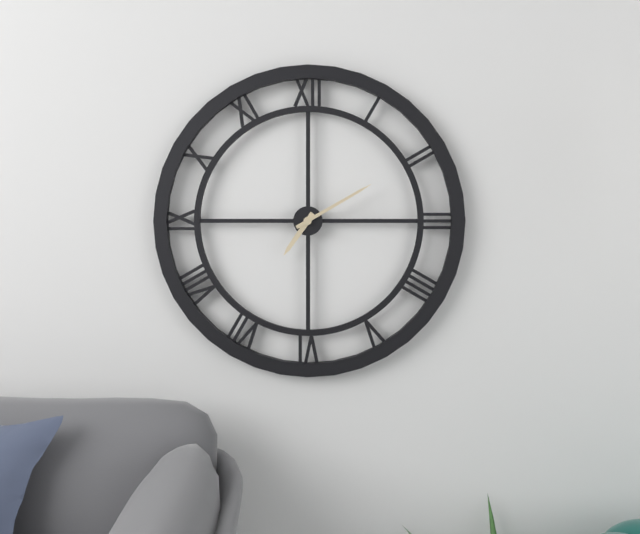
7 h 10 min
